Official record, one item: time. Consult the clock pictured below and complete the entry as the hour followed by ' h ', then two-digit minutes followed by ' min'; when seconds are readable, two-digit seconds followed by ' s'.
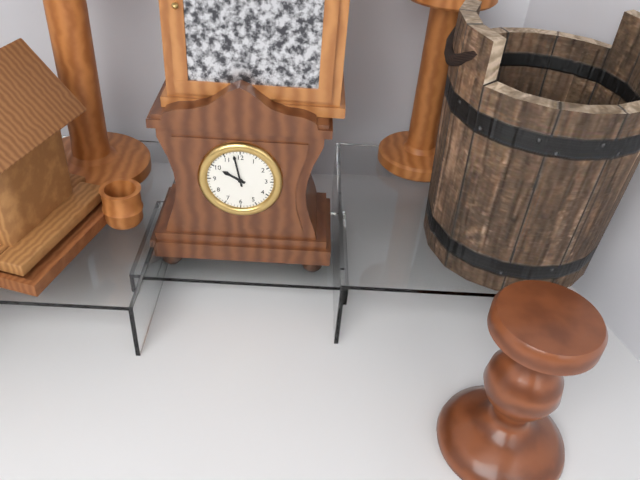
9 h 58 min
